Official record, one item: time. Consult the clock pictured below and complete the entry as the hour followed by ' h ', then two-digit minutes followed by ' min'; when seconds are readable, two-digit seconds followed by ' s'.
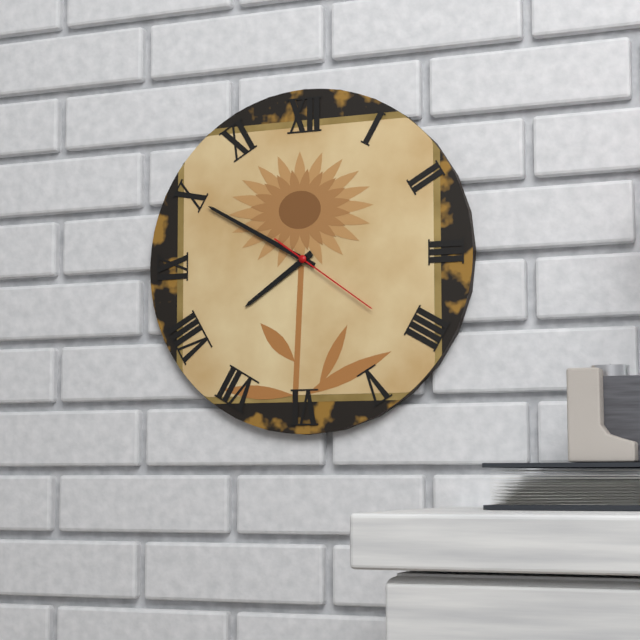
7 h 50 min 21 s
